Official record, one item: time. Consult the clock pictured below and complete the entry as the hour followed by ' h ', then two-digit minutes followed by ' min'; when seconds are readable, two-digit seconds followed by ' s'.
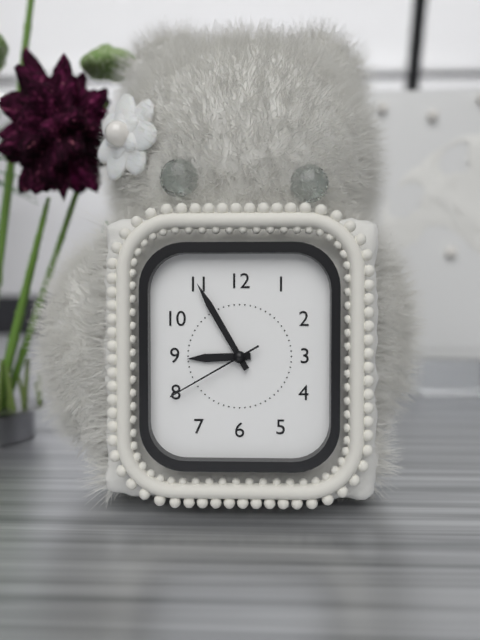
8 h 55 min 40 s
